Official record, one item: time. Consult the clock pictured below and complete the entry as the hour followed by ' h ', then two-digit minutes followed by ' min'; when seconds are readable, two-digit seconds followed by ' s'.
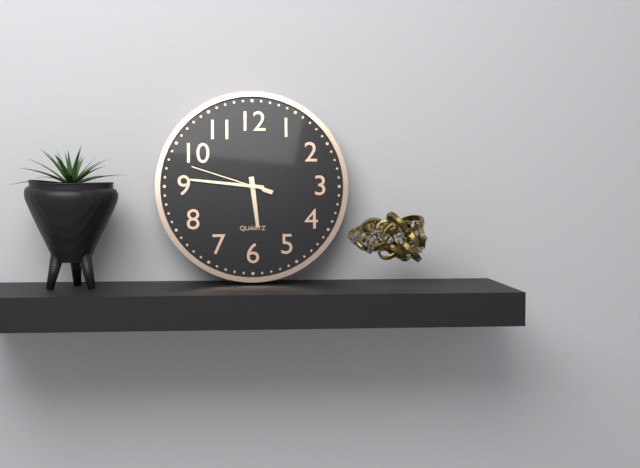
5 h 46 min 48 s
